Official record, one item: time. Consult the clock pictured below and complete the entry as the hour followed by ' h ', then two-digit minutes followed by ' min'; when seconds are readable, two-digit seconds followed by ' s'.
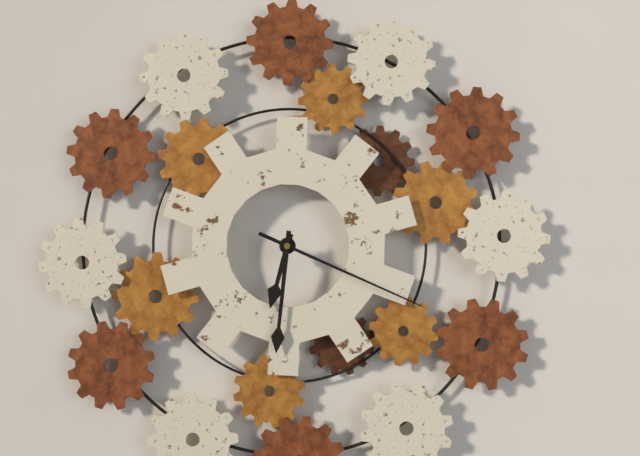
6 h 31 min 19 s
